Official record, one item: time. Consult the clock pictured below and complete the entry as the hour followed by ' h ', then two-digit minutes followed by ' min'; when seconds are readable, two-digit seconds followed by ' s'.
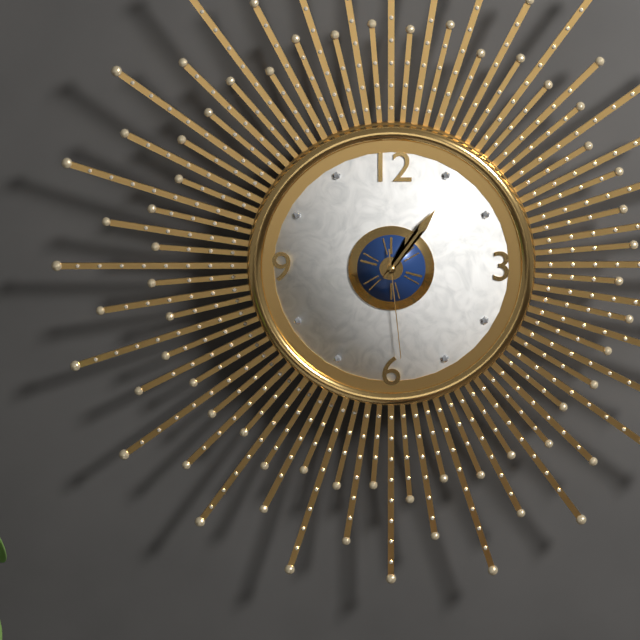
1 h 06 min 29 s
